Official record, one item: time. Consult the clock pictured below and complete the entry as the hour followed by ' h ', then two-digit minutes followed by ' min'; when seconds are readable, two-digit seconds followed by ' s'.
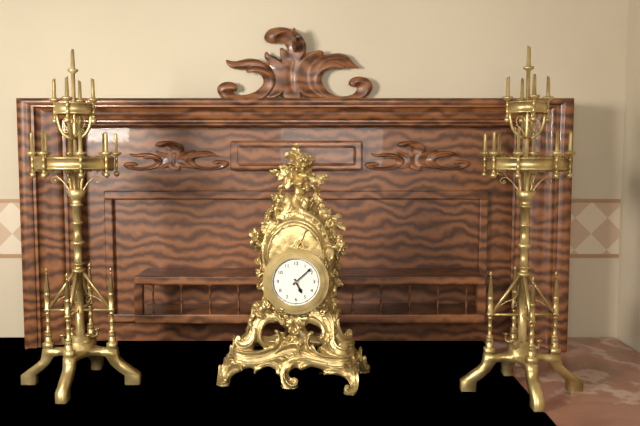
5 h 08 min
